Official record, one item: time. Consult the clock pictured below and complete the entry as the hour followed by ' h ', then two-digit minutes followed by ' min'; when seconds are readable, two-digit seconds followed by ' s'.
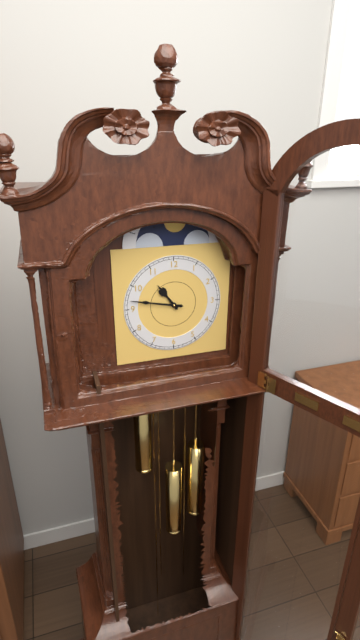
10 h 47 min
